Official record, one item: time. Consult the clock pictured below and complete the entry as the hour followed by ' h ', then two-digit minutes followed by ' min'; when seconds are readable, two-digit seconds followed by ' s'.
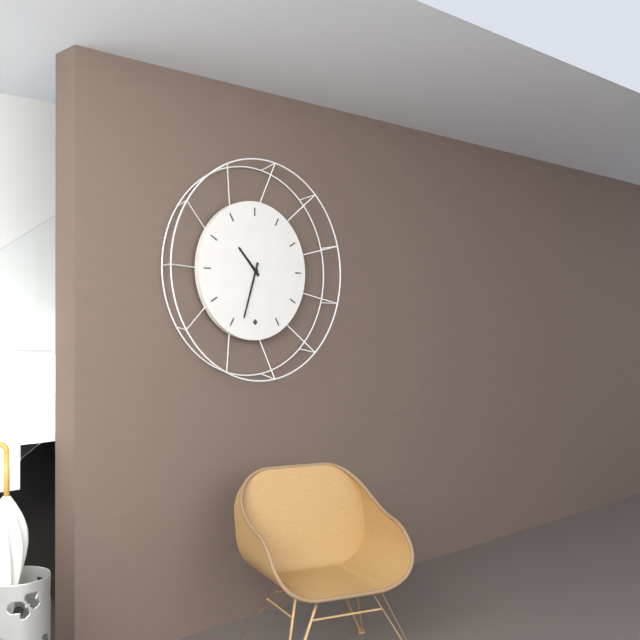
10 h 33 min
